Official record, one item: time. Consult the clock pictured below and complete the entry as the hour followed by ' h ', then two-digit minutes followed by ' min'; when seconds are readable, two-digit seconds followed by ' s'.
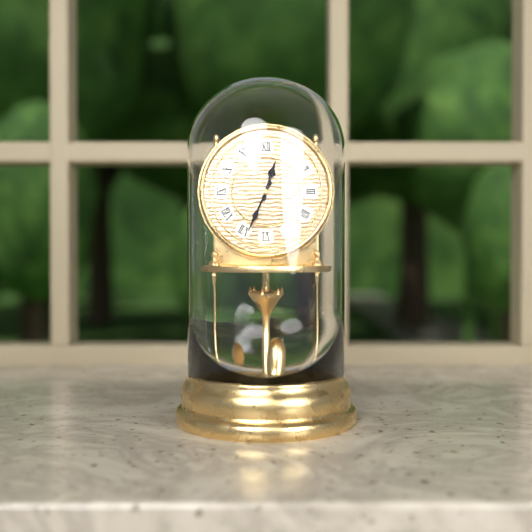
12 h 34 min
